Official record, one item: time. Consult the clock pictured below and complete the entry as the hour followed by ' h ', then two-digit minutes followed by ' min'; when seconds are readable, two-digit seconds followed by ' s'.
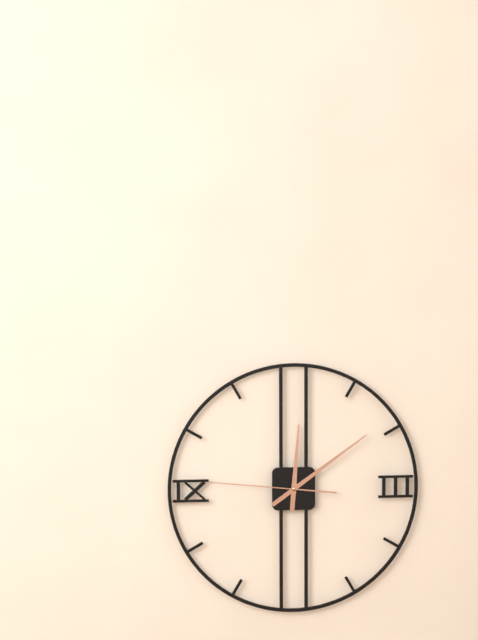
12 h 09 min 46 s
